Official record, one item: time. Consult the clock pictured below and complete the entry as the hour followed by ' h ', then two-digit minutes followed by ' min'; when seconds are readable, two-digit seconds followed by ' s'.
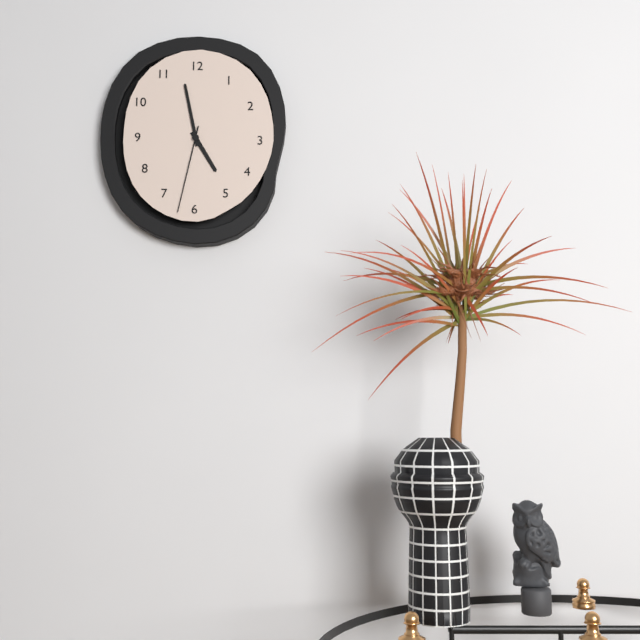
4 h 58 min 32 s
